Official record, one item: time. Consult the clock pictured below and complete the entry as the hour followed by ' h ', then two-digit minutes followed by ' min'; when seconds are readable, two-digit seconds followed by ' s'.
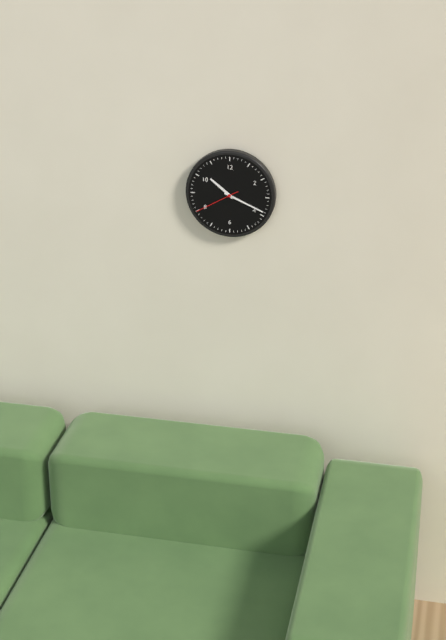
10 h 19 min
